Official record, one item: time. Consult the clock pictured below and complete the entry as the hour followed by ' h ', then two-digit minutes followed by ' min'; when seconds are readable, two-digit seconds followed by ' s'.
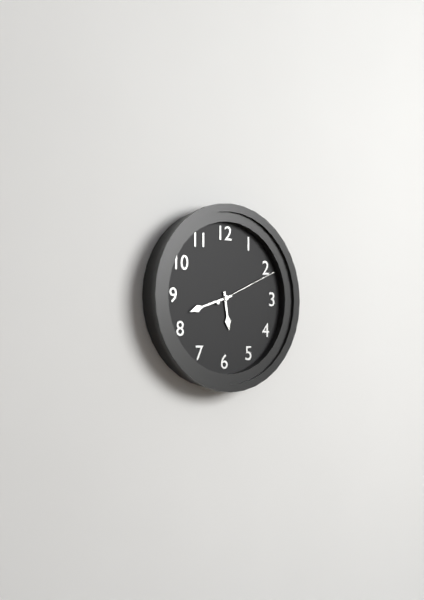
5 h 42 min 11 s
